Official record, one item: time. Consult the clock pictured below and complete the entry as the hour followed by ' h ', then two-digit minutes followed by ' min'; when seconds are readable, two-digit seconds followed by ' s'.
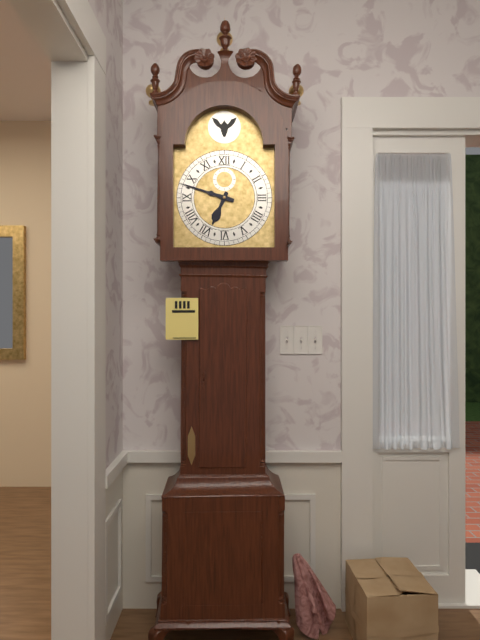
6 h 48 min
